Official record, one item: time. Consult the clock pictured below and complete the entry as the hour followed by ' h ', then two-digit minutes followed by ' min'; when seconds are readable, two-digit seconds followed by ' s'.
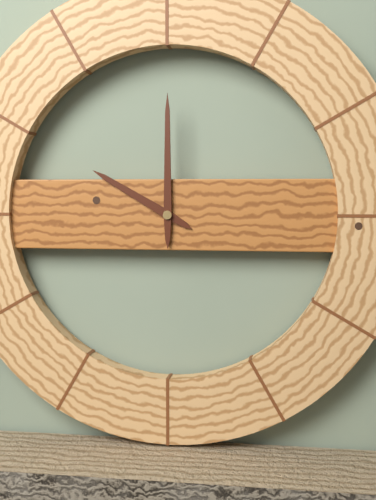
10 h 00 min
